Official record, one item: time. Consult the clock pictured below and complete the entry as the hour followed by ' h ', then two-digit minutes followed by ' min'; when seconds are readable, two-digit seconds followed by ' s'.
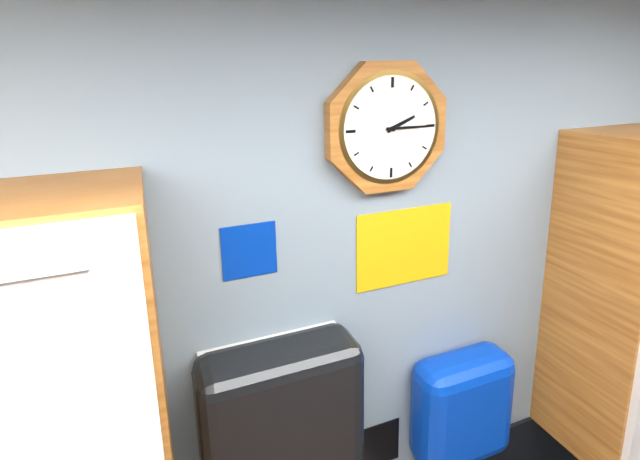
2 h 15 min
